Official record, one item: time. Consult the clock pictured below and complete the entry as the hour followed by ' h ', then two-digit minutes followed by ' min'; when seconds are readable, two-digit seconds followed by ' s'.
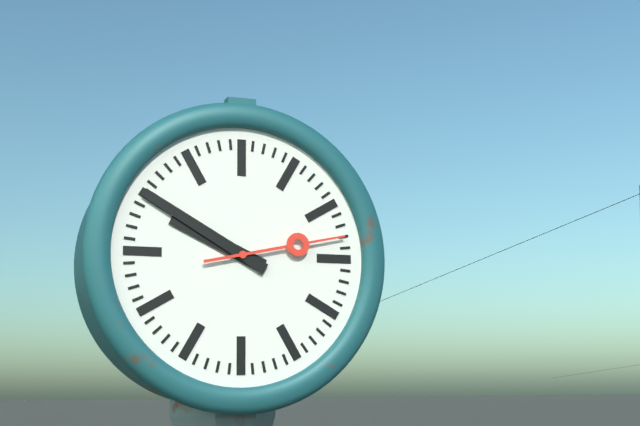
9 h 50 min 13 s
